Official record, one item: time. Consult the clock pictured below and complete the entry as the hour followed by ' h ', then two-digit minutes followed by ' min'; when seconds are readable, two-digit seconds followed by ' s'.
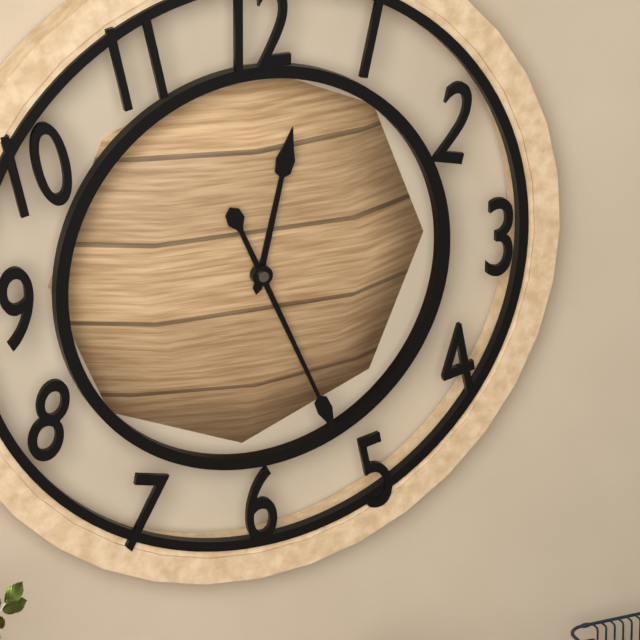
12 h 26 min
